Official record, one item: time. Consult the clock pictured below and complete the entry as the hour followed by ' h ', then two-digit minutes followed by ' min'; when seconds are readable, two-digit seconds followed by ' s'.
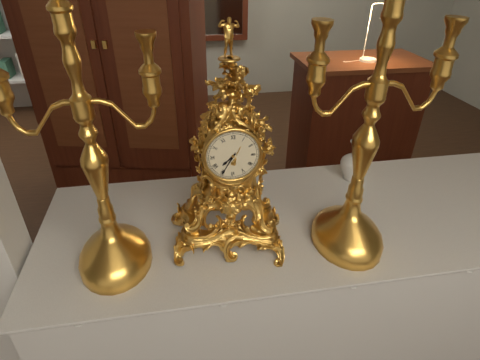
7 h 35 min
